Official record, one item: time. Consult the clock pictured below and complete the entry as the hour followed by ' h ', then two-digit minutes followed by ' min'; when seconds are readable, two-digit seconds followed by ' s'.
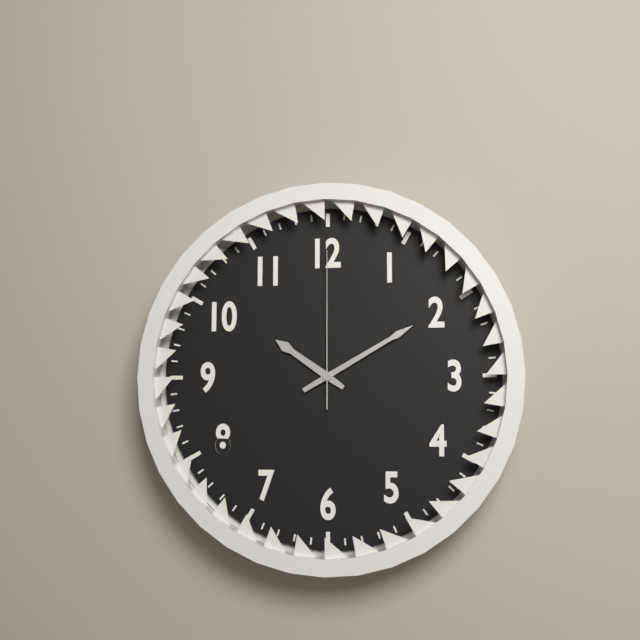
10 h 10 min 00 s
